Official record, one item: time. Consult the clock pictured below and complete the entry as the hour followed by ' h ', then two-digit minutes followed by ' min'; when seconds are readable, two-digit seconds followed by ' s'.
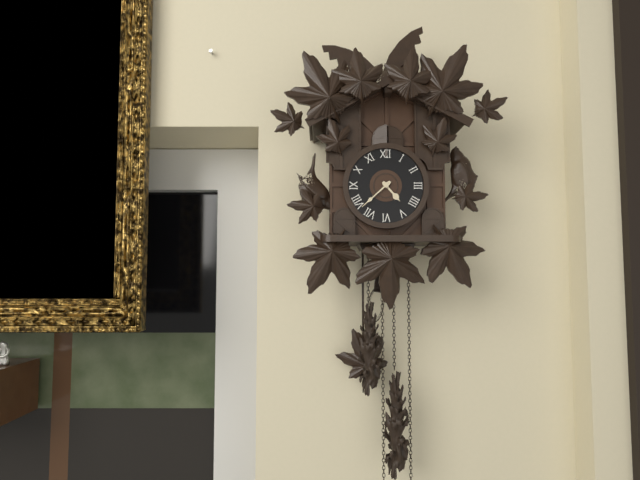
4 h 38 min
